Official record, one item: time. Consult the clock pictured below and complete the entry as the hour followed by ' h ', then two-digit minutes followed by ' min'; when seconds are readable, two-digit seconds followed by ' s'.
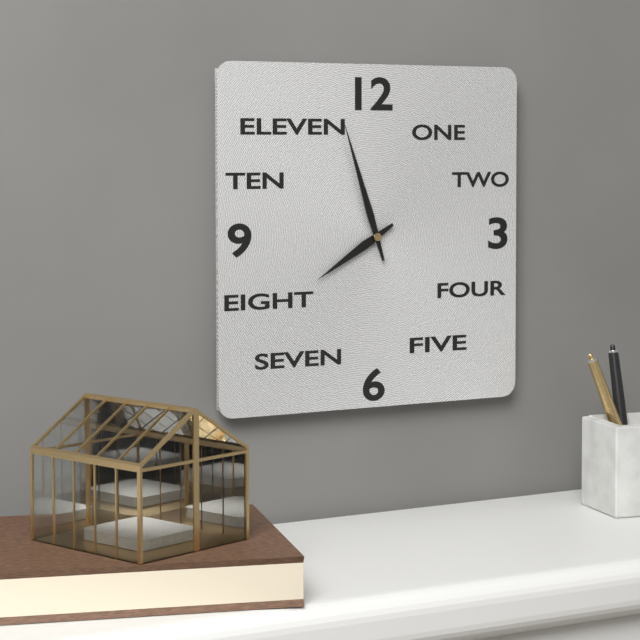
7 h 57 min
